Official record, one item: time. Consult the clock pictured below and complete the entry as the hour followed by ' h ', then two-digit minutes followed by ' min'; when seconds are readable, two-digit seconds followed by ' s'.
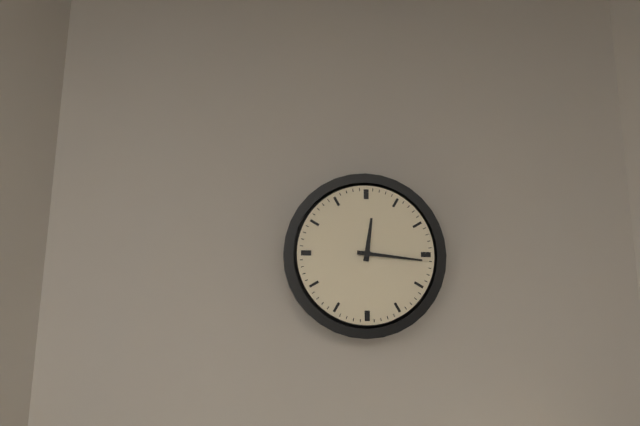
12 h 16 min
